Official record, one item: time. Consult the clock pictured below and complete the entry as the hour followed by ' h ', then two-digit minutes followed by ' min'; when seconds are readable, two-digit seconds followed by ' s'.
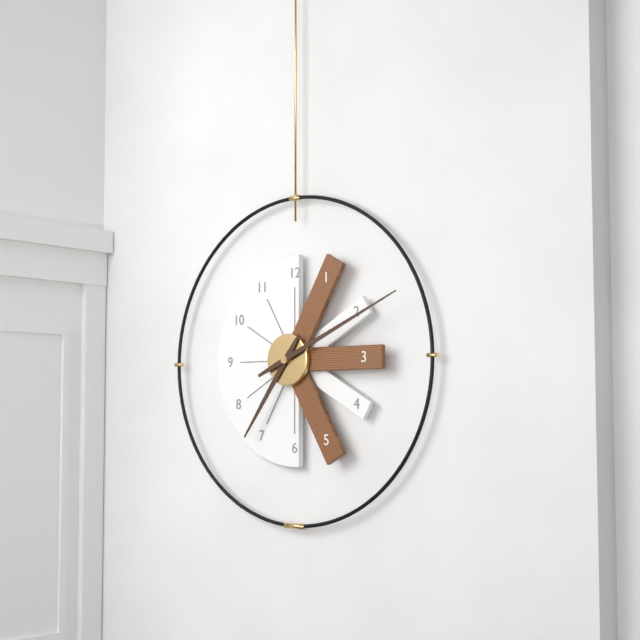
7 h 11 min
